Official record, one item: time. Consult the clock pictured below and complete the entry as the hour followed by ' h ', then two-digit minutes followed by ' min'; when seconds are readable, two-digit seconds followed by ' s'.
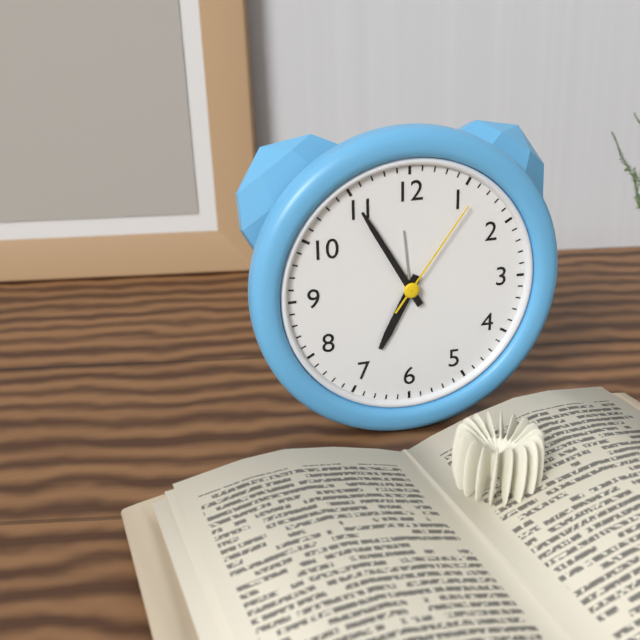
6 h 55 min 06 s
